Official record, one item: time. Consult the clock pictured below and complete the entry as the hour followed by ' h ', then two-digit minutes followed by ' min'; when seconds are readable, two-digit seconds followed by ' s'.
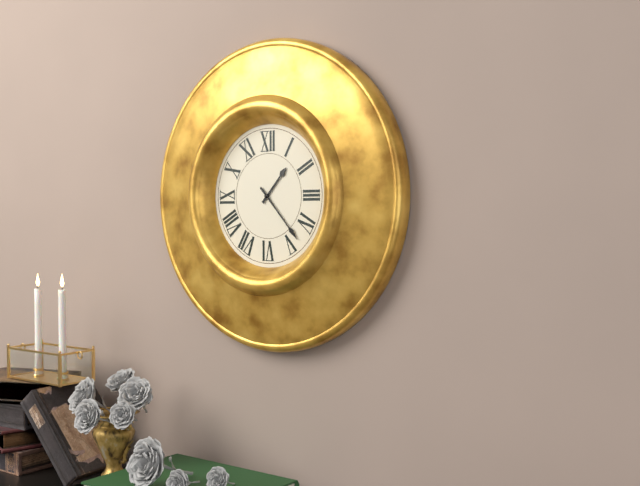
1 h 23 min
